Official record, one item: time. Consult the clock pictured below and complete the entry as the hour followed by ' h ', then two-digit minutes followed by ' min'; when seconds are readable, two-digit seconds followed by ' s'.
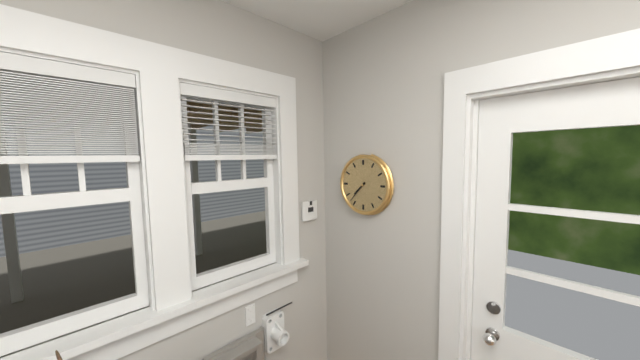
7 h 37 min
